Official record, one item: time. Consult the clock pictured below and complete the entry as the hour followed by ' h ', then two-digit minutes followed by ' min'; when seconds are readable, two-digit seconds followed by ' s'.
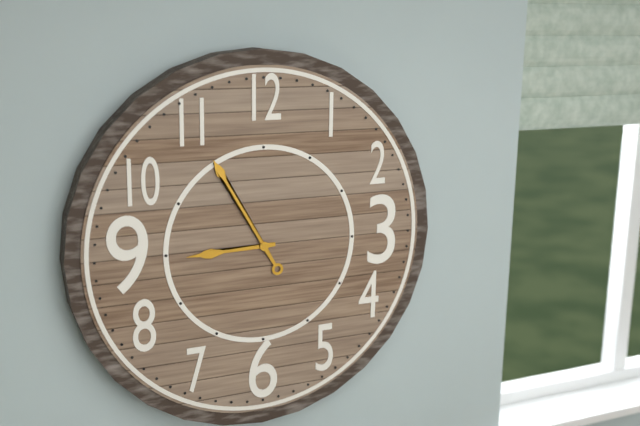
8 h 55 min
